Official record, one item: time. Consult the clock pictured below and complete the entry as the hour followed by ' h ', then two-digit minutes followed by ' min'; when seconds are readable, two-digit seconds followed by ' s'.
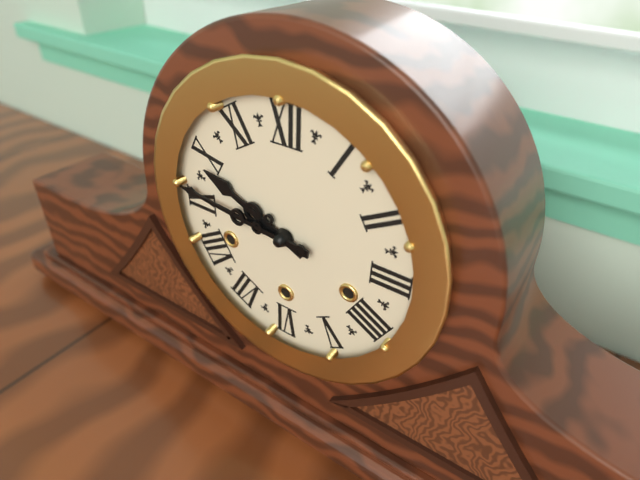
9 h 46 min
